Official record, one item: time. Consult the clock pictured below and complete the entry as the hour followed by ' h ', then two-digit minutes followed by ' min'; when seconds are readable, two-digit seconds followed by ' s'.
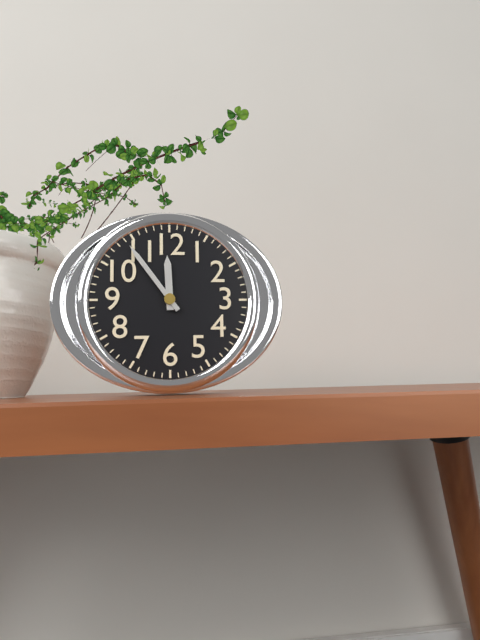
11 h 54 min
